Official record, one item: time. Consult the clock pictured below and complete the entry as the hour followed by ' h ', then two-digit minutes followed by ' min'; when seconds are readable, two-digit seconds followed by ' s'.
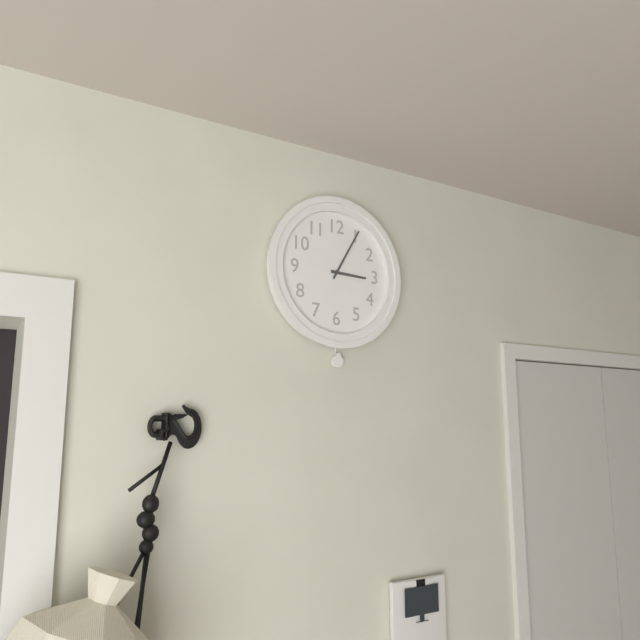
3 h 05 min
